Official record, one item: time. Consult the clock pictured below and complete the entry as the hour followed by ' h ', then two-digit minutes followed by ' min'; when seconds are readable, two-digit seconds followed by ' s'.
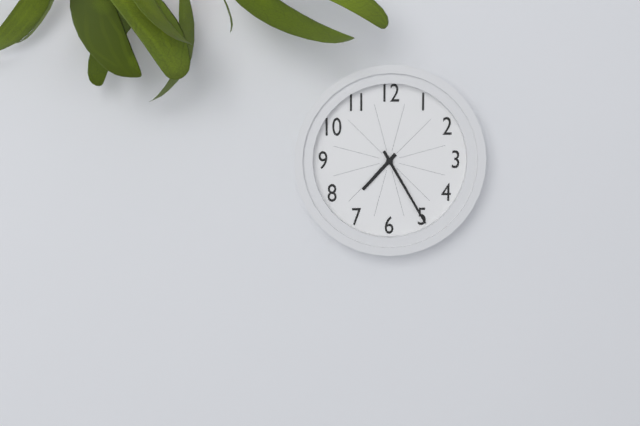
7 h 25 min
